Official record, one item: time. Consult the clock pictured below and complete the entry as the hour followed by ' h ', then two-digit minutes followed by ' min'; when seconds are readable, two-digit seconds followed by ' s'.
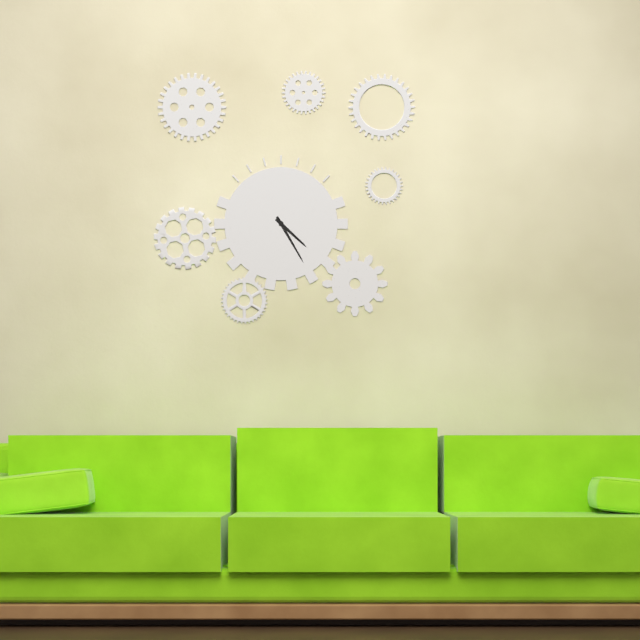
4 h 25 min
